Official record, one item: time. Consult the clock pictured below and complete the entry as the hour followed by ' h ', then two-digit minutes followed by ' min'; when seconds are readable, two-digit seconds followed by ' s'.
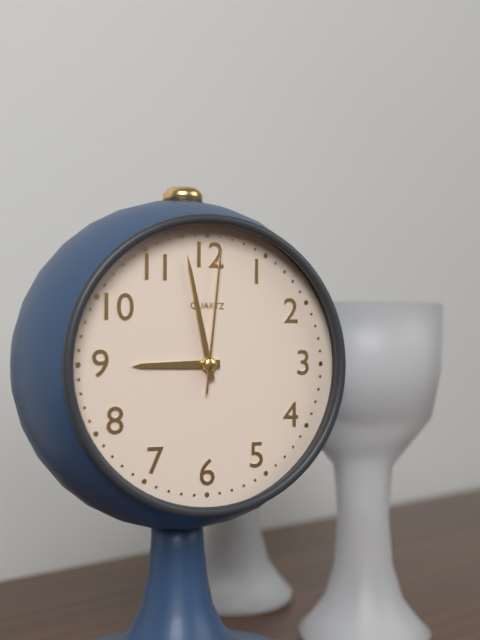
8 h 58 min 01 s
